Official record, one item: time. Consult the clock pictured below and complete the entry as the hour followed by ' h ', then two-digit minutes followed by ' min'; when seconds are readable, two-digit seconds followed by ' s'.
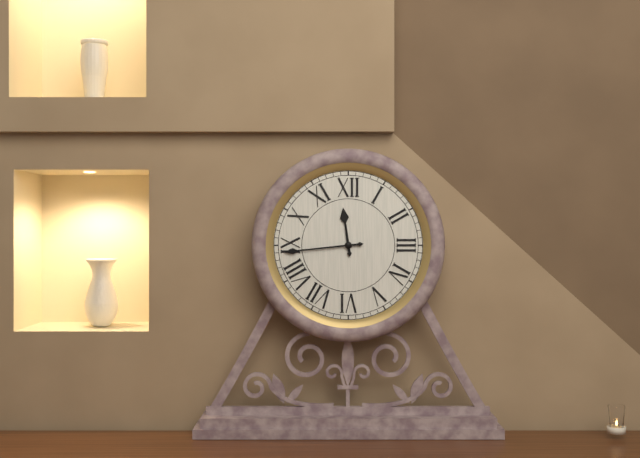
11 h 44 min
